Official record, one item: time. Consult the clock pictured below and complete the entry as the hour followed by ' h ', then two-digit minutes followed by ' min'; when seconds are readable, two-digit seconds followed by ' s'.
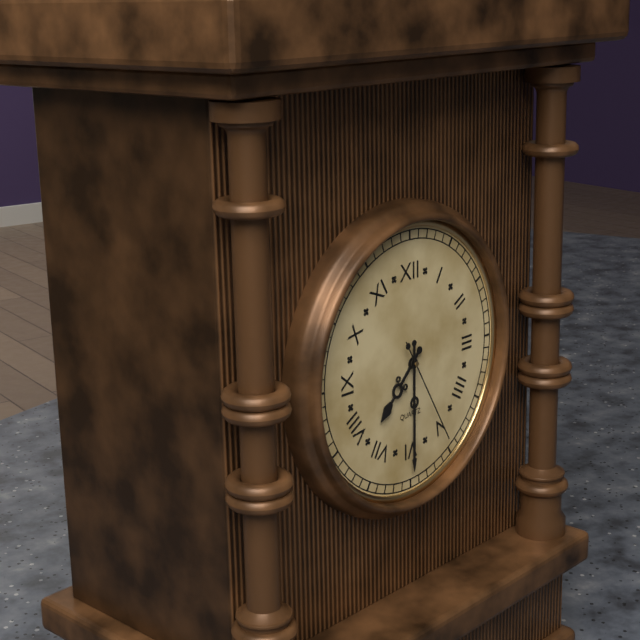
7 h 30 min 25 s
